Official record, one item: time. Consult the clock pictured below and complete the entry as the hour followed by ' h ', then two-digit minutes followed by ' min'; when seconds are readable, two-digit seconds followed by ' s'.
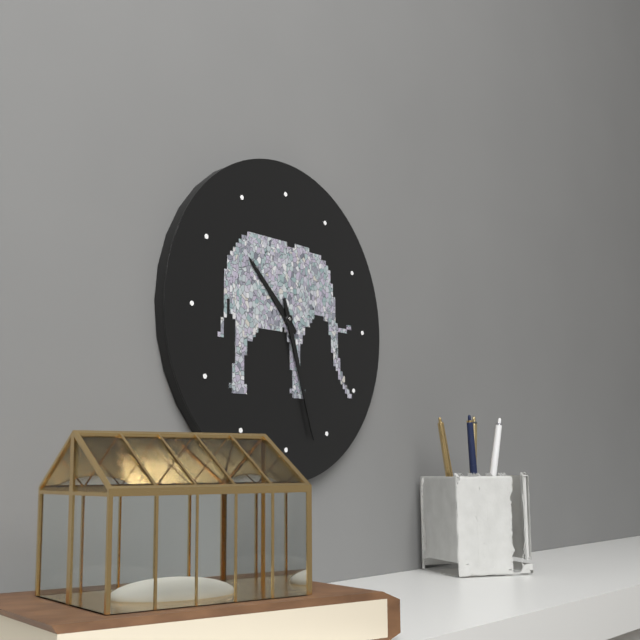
10 h 27 min
